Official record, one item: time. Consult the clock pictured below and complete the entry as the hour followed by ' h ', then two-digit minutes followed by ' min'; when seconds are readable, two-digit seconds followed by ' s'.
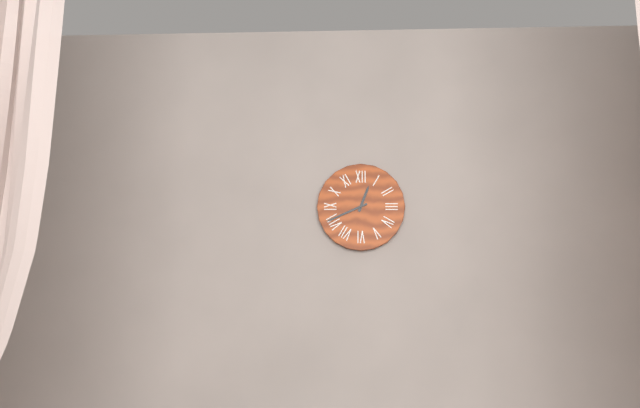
12 h 41 min
